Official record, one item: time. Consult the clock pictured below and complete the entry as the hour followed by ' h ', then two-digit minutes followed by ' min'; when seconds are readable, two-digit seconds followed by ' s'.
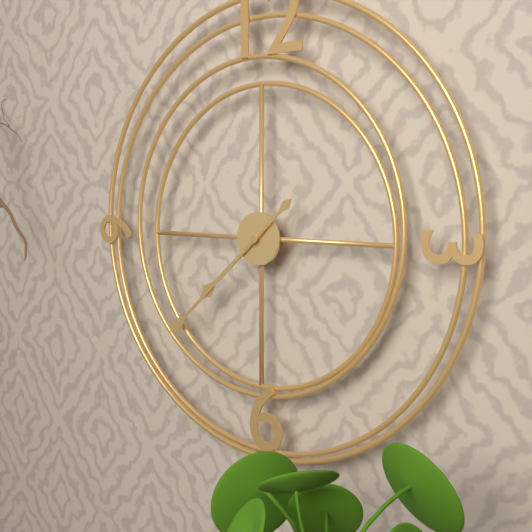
7 h 38 min
